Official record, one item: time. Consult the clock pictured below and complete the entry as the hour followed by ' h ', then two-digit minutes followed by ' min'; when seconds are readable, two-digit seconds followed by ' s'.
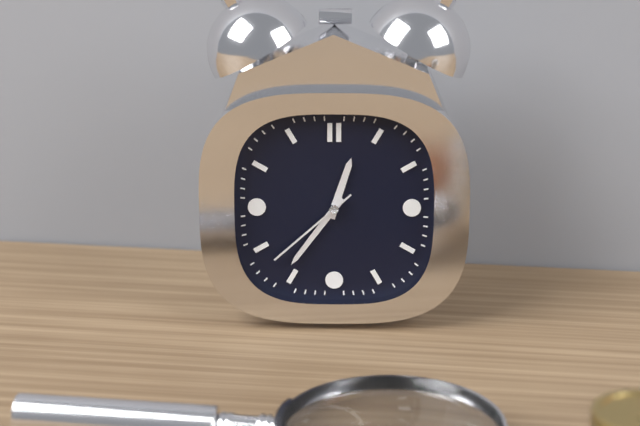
12 h 36 min 38 s
